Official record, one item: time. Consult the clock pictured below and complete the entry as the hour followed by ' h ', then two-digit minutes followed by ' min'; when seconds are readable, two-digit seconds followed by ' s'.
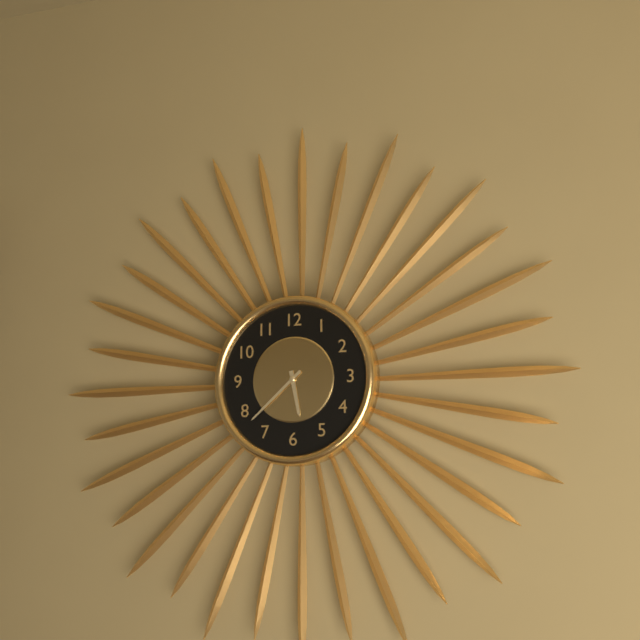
5 h 38 min
